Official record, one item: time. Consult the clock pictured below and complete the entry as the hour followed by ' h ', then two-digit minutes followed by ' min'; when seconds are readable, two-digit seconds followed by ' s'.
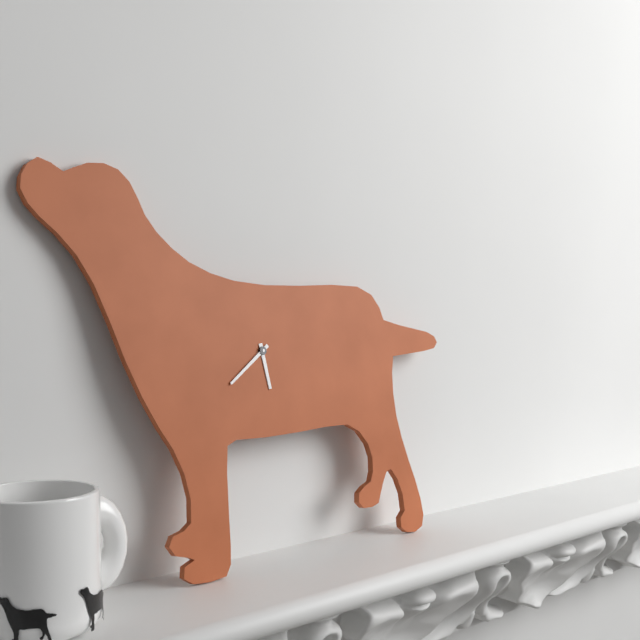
5 h 39 min
